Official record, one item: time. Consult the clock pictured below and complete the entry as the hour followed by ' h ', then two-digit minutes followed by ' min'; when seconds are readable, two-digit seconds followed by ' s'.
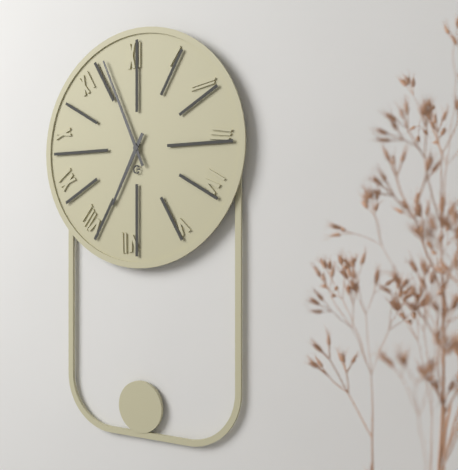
6 h 56 min
